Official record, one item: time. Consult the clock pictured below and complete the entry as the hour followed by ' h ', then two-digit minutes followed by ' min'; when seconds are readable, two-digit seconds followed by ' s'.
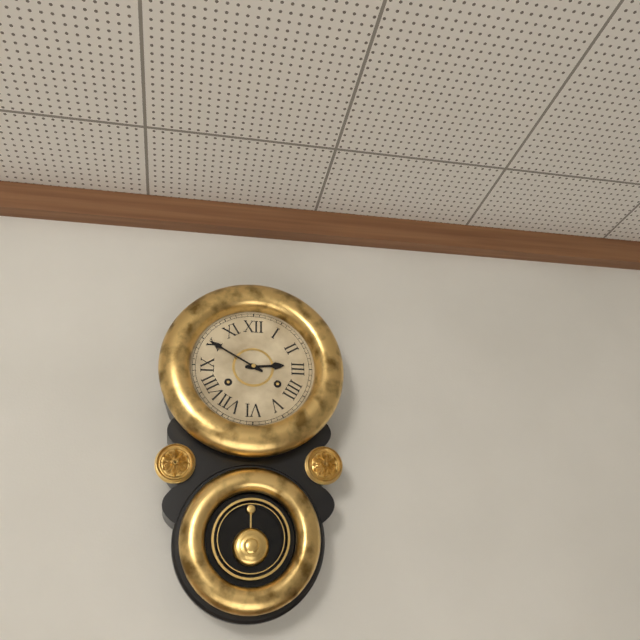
2 h 50 min
